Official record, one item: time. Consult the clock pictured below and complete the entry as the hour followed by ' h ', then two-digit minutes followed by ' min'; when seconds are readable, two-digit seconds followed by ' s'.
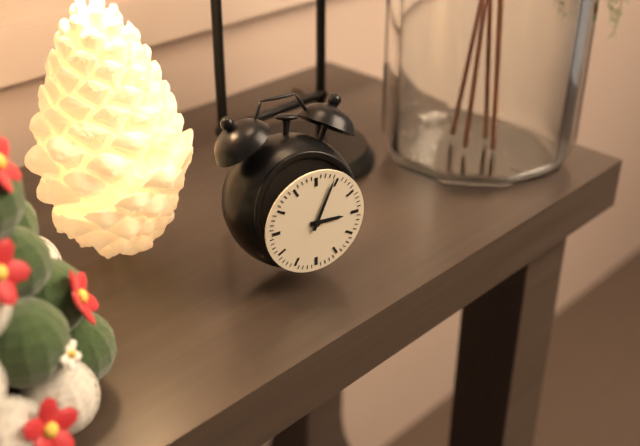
3 h 04 min
